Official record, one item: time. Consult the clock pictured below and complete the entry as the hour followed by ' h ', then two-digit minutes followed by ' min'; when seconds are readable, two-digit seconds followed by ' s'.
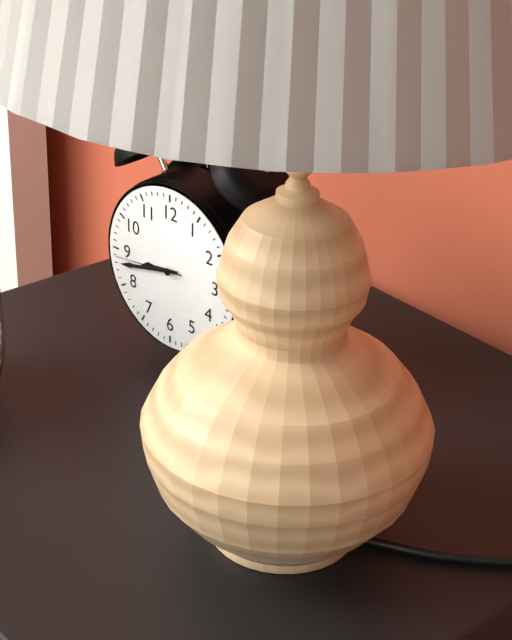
8 h 43 min 44 s
